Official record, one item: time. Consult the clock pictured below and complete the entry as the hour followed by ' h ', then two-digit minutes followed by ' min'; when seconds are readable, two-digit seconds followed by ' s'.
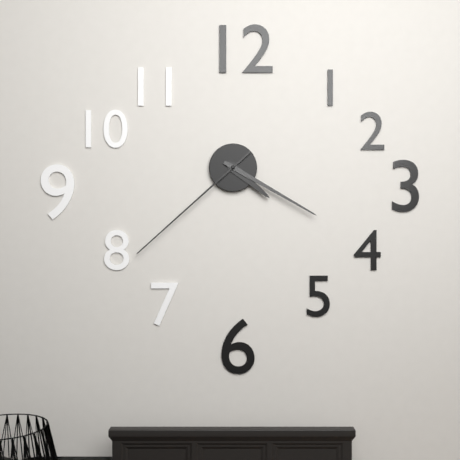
4 h 20 min 38 s
